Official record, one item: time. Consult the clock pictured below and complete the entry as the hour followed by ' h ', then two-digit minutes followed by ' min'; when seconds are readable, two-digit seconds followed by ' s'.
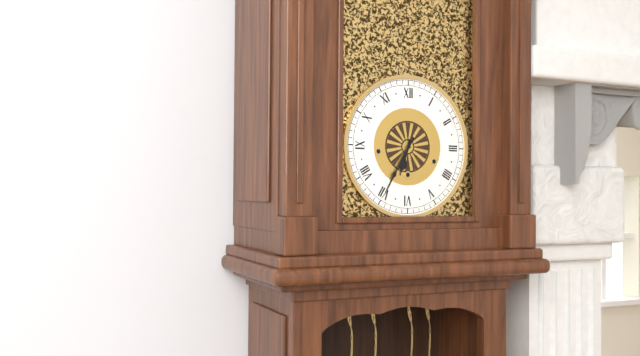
6 h 35 min
